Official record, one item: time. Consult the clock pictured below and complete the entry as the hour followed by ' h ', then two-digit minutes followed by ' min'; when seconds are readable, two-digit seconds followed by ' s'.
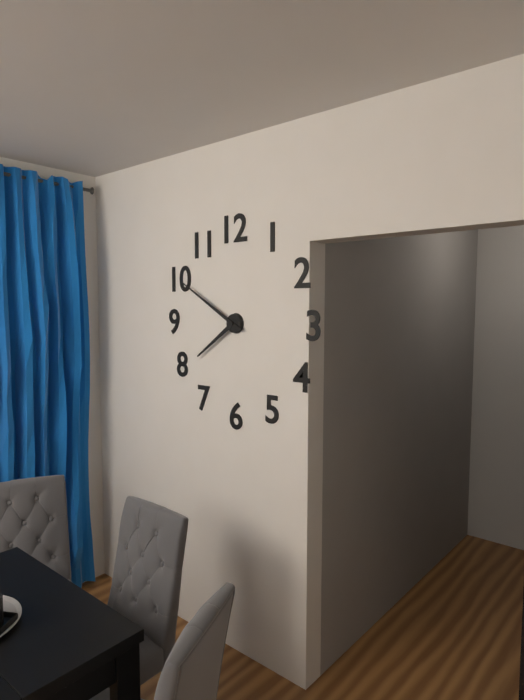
7 h 50 min
